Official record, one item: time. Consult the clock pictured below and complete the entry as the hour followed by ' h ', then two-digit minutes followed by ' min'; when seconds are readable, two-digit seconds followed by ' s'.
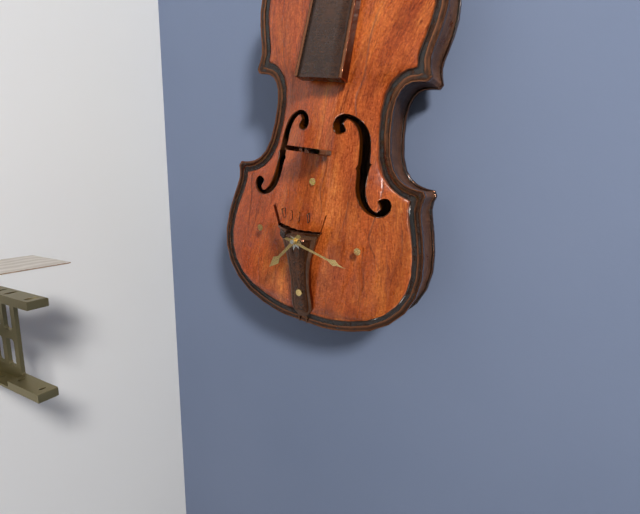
7 h 17 min
